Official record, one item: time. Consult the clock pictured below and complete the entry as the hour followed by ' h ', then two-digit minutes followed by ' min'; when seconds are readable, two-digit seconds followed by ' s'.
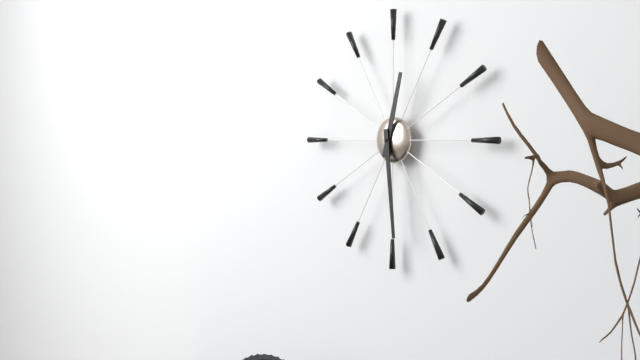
12 h 29 min
